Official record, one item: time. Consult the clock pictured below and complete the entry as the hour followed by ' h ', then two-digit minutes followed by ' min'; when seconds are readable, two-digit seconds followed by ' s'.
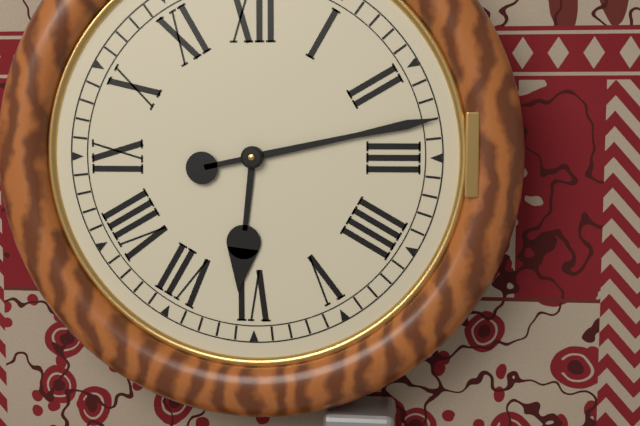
6 h 13 min
